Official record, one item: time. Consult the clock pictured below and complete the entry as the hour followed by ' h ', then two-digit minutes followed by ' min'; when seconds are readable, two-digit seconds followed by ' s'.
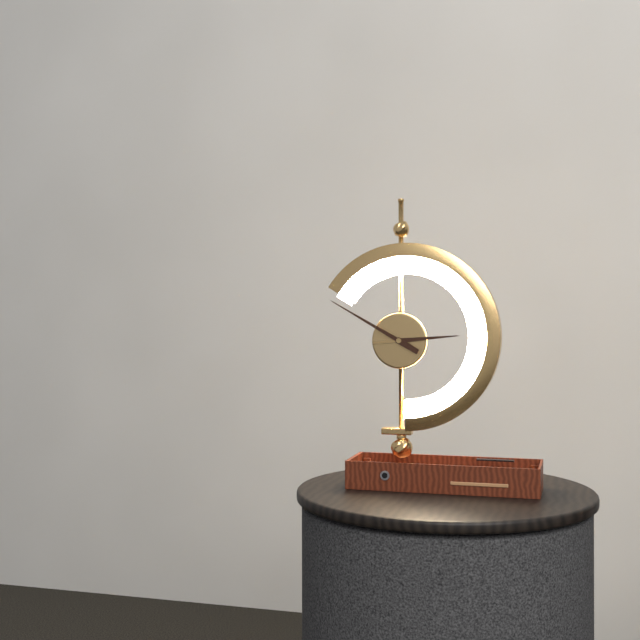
2 h 50 min
